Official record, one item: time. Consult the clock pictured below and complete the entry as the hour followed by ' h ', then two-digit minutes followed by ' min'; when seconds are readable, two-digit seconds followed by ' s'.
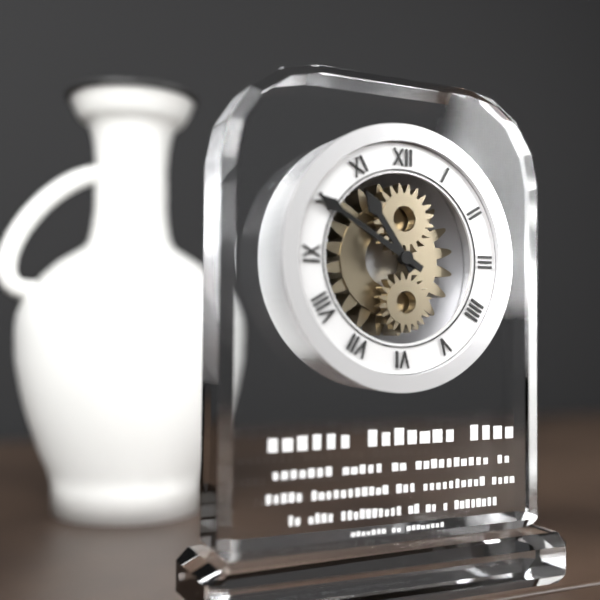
10 h 50 min
